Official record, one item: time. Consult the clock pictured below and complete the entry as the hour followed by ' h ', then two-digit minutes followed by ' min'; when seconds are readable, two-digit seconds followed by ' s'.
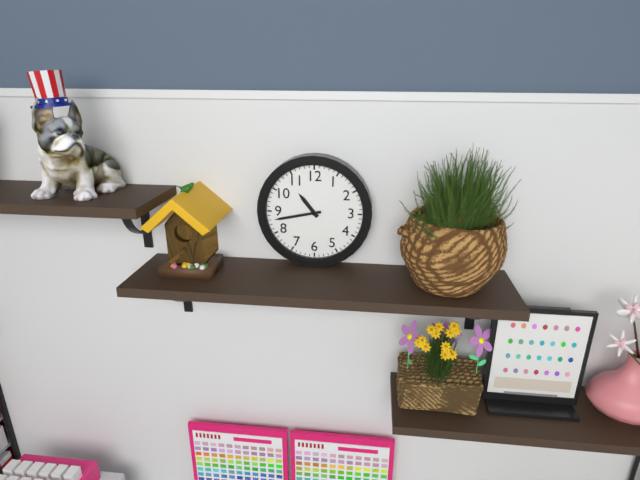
10 h 43 min
